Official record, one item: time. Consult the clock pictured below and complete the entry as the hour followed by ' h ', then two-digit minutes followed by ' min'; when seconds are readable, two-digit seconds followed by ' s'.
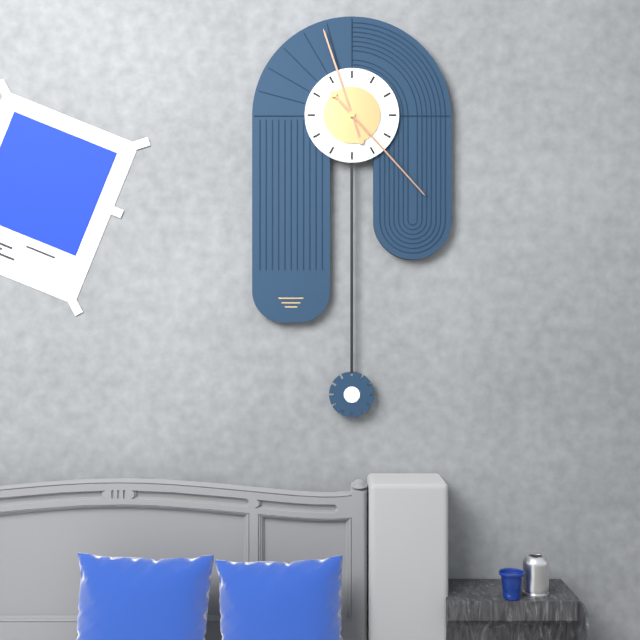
11 h 23 min
